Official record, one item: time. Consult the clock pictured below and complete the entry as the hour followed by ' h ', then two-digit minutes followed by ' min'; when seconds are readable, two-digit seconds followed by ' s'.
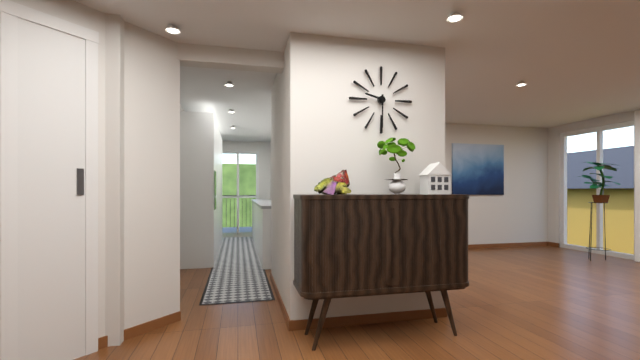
9 h 30 min
